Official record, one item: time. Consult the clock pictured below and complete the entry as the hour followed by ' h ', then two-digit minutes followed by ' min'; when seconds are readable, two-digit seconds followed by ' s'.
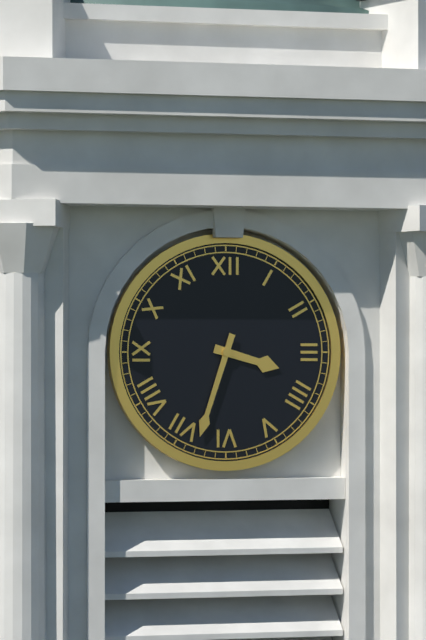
3 h 33 min
